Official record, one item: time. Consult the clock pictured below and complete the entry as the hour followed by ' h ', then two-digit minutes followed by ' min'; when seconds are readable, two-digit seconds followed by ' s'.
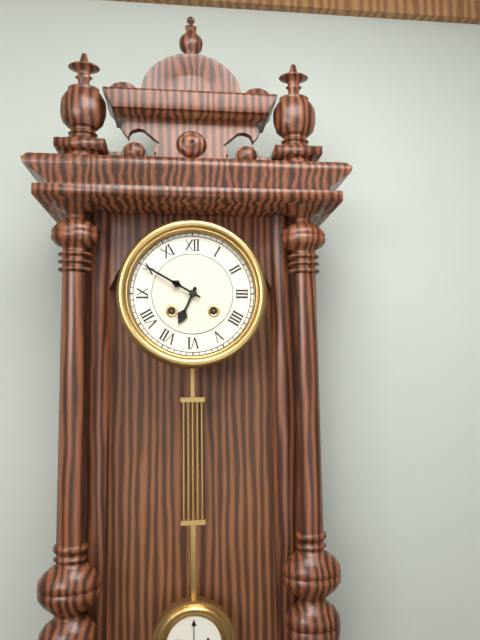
6 h 50 min
